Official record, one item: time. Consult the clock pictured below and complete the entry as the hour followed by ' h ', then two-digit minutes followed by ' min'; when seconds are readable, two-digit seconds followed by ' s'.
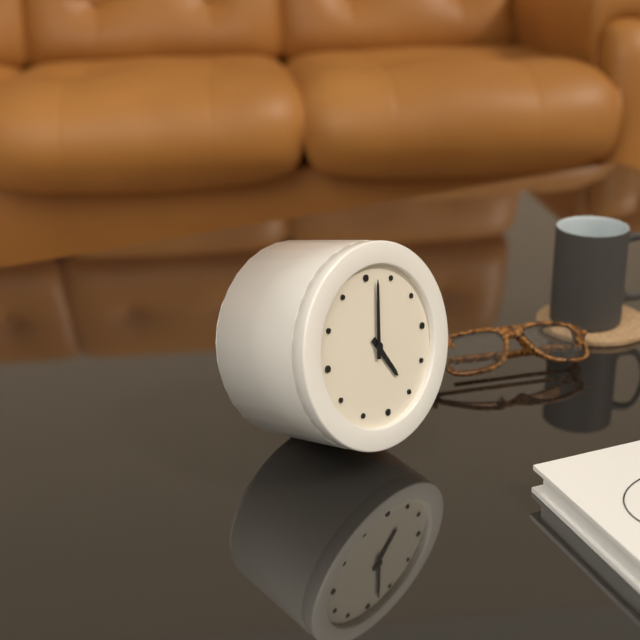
5 h 02 min
